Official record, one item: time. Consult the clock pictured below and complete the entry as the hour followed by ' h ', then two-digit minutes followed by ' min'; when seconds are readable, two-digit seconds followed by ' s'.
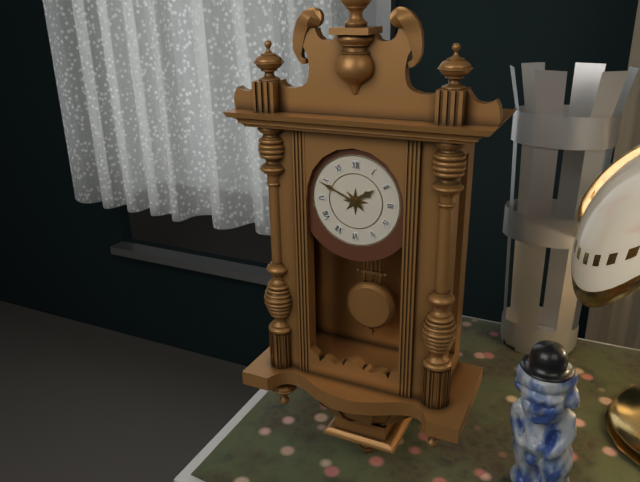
1 h 49 min
